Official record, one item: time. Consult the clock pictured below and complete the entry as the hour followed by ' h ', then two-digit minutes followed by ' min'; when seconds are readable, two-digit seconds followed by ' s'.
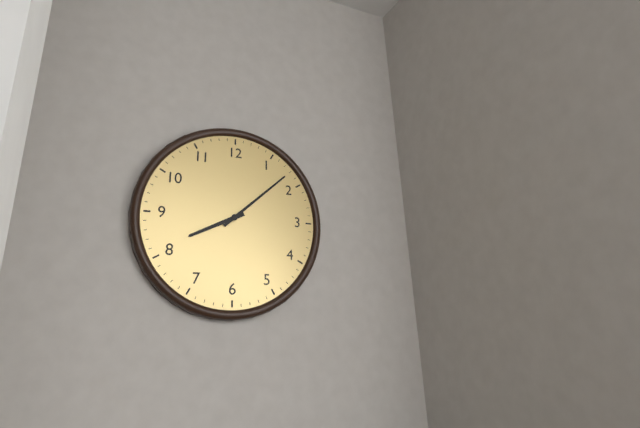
8 h 08 min
